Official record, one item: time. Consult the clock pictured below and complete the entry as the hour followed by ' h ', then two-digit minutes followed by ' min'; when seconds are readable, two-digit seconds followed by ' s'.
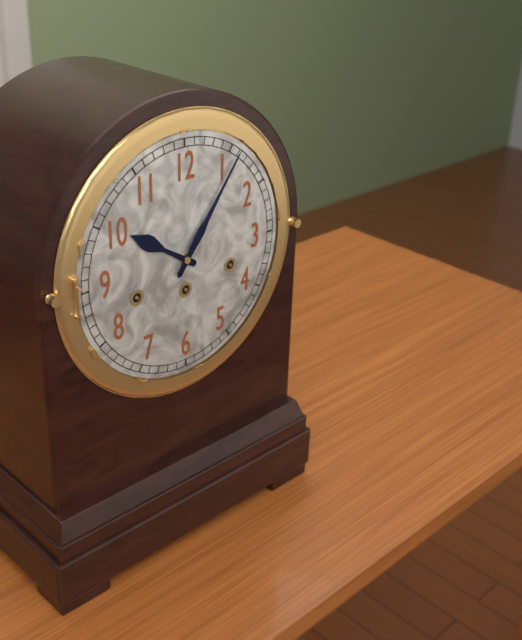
10 h 06 min
